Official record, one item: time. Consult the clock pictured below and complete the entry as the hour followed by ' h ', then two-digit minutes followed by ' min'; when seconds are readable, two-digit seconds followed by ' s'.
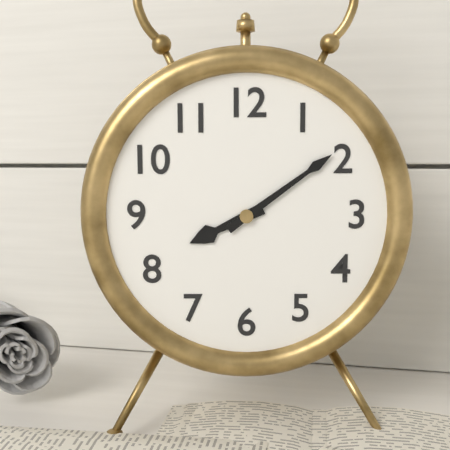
8 h 09 min
